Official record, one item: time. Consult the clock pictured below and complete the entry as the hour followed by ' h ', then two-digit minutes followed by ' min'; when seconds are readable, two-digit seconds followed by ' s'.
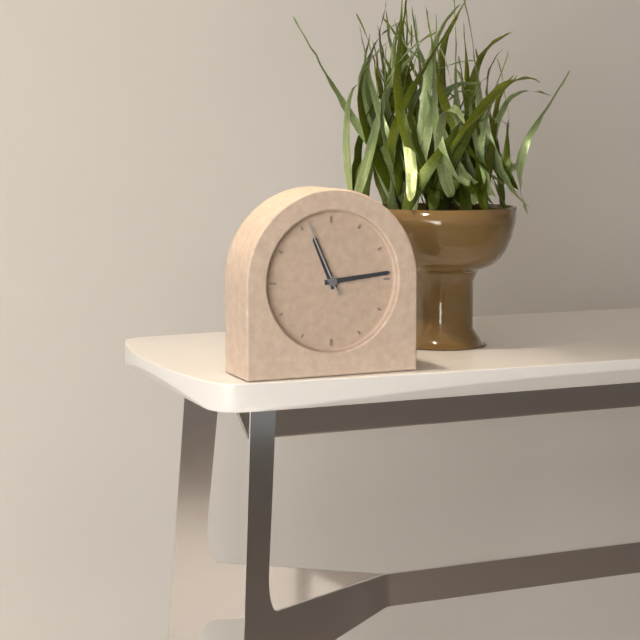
11 h 14 min 56 s
